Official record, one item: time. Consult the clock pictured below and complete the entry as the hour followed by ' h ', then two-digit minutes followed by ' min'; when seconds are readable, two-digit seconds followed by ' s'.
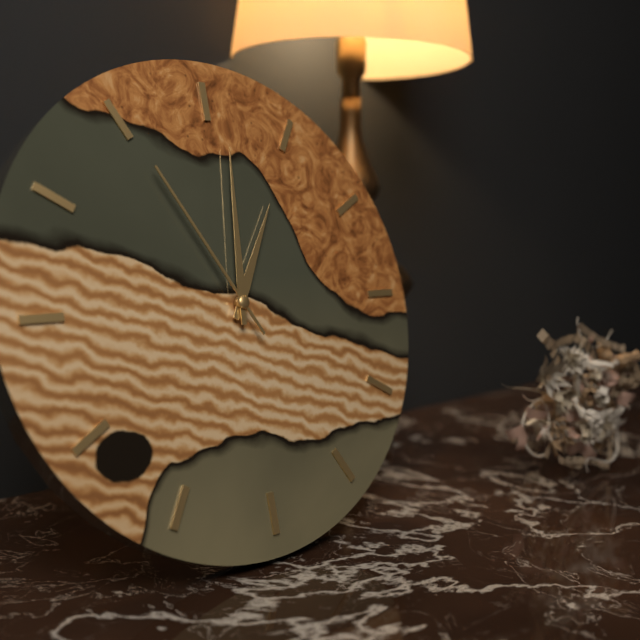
1 h 01 min 55 s
